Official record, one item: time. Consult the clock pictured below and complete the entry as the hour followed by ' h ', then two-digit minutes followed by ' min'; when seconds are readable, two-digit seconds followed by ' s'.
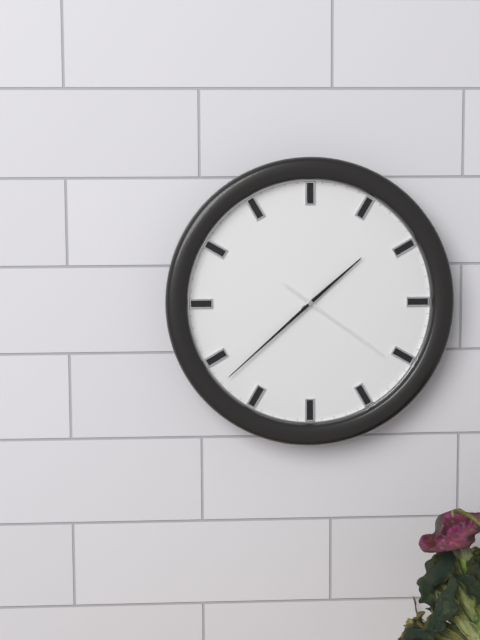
1 h 38 min 21 s
